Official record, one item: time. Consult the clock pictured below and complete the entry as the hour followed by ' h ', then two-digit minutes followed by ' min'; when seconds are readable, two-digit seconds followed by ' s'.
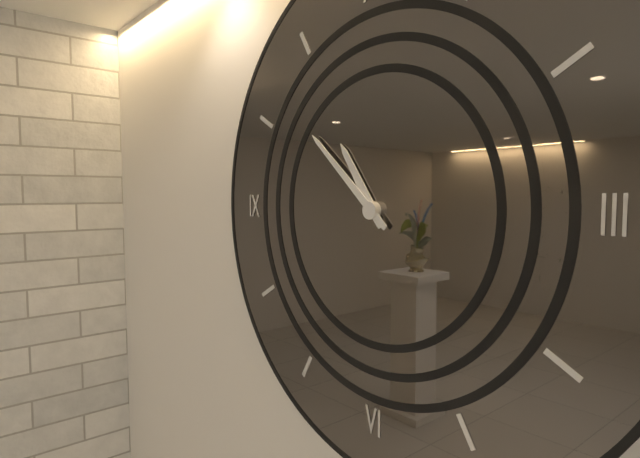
10 h 52 min
